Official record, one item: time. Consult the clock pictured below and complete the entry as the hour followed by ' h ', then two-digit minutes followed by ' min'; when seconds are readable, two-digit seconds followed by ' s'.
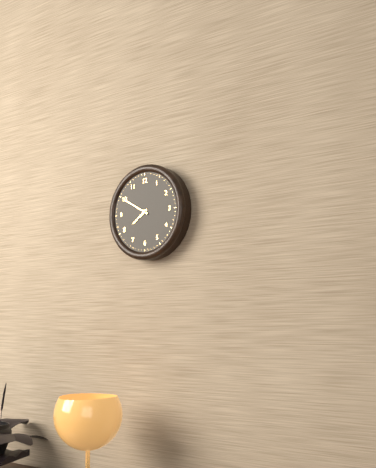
7 h 50 min
